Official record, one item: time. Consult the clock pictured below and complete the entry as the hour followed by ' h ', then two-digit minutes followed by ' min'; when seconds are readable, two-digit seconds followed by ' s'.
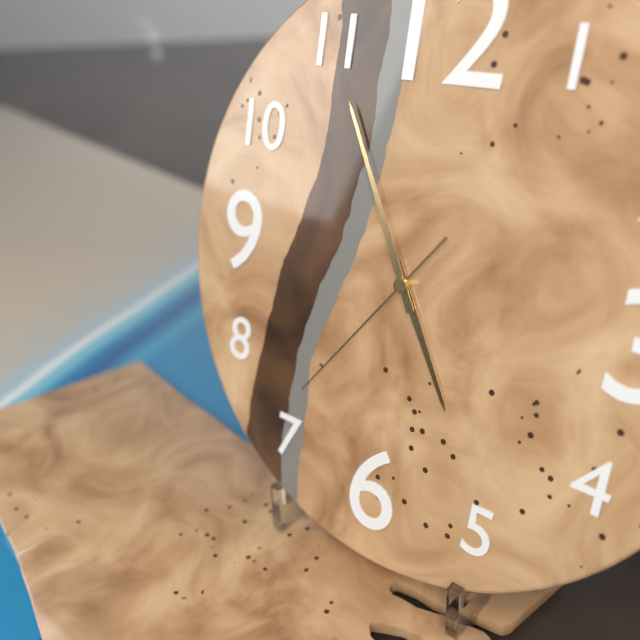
4 h 55 min 36 s
